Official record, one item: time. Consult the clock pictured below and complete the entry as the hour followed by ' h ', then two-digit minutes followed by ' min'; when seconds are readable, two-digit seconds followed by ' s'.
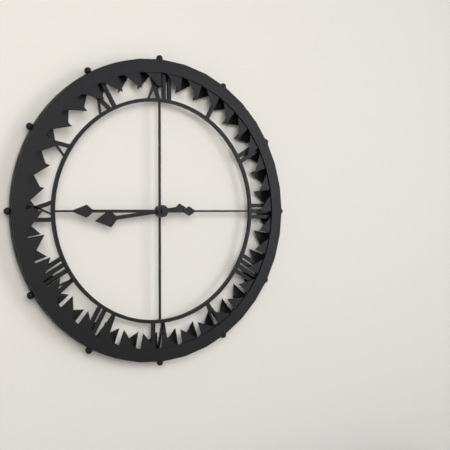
8 h 45 min
